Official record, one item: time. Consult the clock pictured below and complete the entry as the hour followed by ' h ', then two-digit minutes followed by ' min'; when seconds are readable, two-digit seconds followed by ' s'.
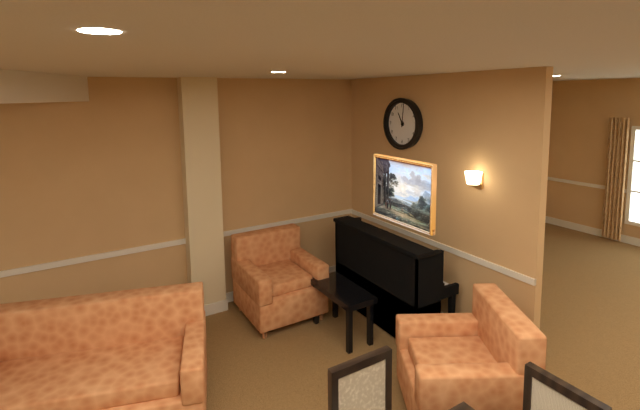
11 h 01 min
